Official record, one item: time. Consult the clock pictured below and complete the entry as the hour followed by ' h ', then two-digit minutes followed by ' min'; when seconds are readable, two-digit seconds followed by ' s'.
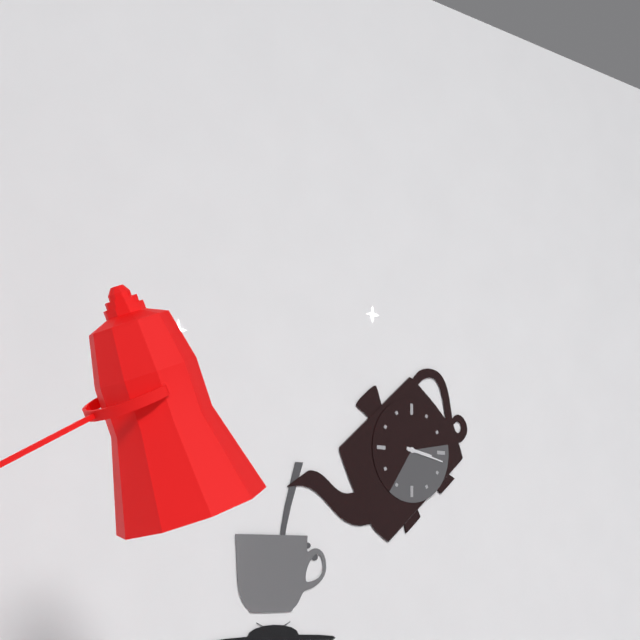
3 h 17 min
